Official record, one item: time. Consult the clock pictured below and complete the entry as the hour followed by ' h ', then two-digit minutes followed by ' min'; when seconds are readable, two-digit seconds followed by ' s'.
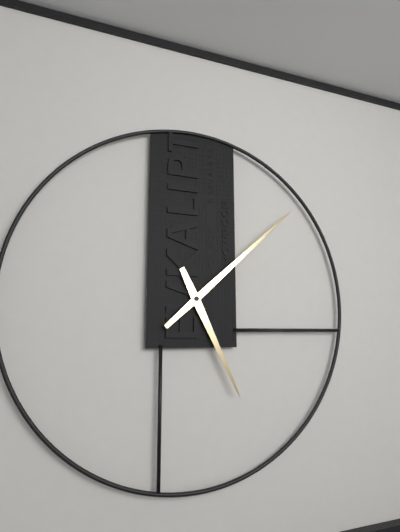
5 h 08 min
